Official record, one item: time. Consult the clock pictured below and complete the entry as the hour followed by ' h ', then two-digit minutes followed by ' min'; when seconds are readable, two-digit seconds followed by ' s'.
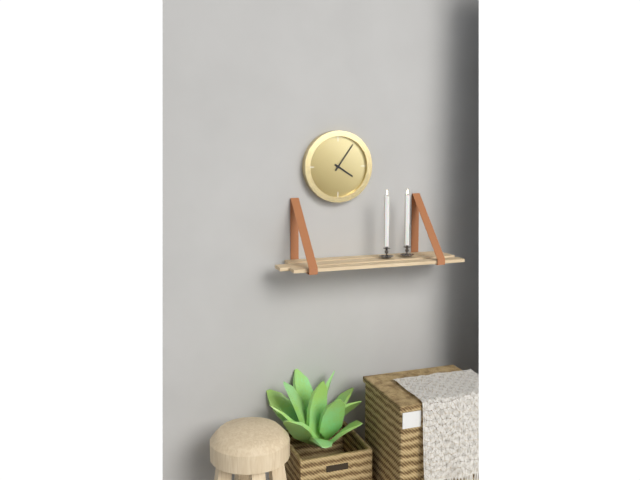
4 h 06 min
